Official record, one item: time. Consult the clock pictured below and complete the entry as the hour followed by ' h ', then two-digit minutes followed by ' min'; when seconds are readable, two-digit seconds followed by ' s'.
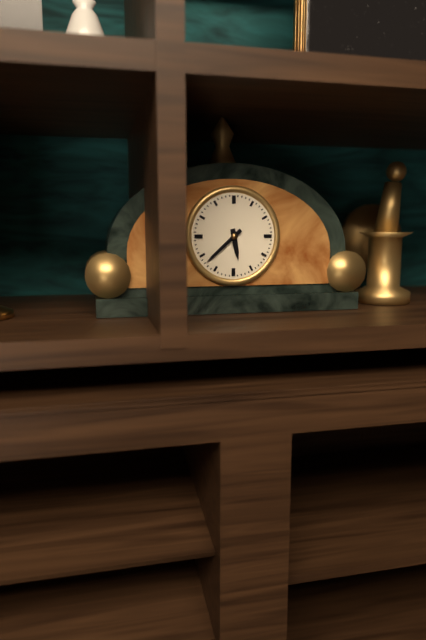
5 h 38 min
